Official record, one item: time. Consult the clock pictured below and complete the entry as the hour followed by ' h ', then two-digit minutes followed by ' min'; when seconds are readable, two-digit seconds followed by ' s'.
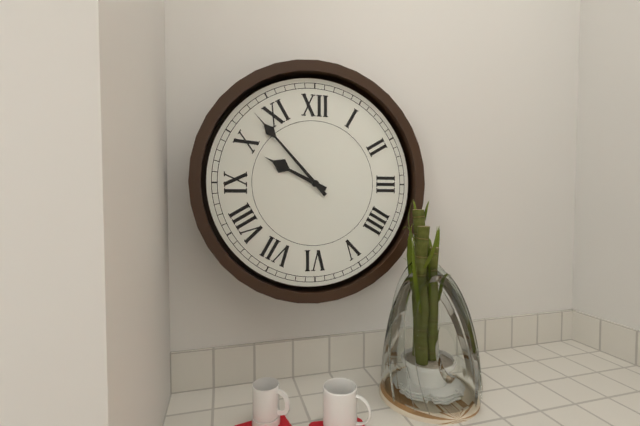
9 h 53 min
